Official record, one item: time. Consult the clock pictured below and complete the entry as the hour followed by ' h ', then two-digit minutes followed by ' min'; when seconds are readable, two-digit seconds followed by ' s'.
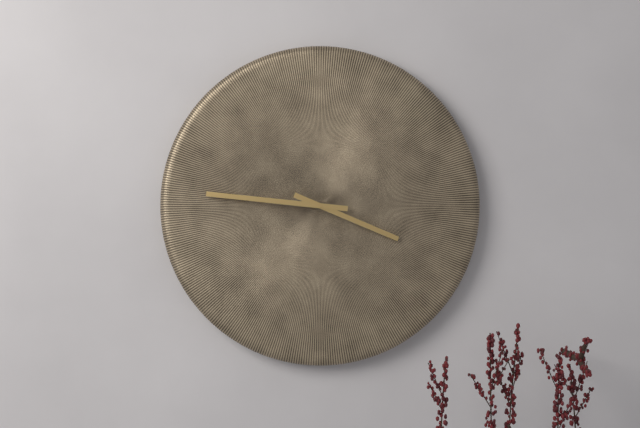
3 h 46 min
